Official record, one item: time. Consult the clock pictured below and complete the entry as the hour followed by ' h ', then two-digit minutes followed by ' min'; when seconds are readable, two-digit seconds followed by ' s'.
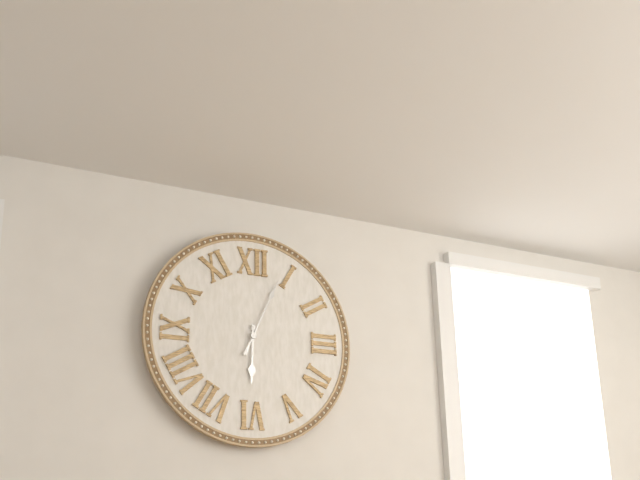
6 h 04 min
